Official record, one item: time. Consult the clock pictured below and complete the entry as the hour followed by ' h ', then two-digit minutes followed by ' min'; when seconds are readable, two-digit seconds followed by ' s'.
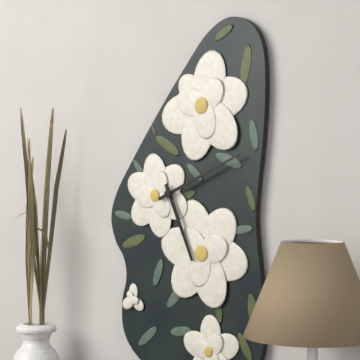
5 h 11 min
